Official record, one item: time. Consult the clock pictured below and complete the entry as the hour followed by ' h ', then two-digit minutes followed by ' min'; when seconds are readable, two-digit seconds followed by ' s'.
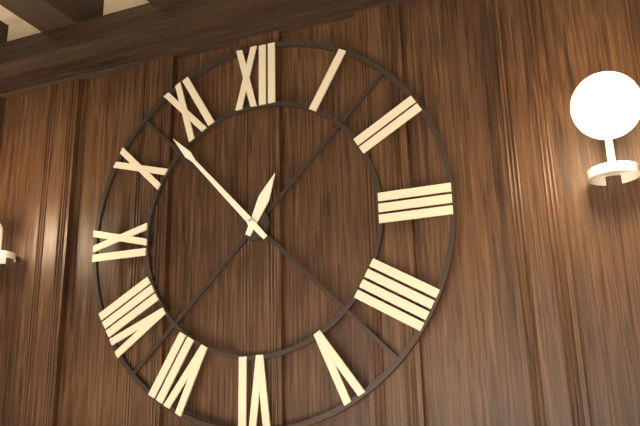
12 h 53 min
